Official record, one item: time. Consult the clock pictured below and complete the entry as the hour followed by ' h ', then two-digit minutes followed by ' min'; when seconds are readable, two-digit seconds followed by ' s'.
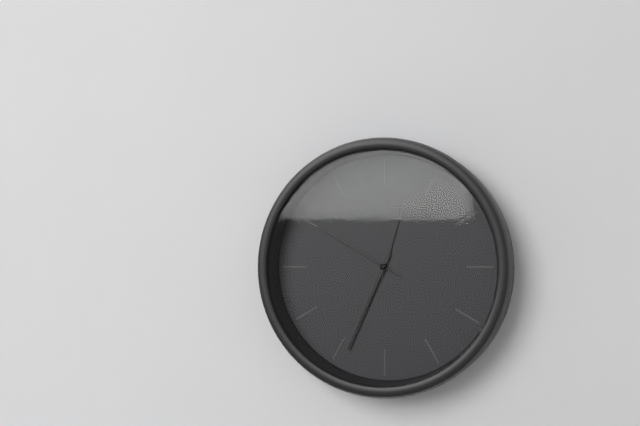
12 h 34 min 50 s
